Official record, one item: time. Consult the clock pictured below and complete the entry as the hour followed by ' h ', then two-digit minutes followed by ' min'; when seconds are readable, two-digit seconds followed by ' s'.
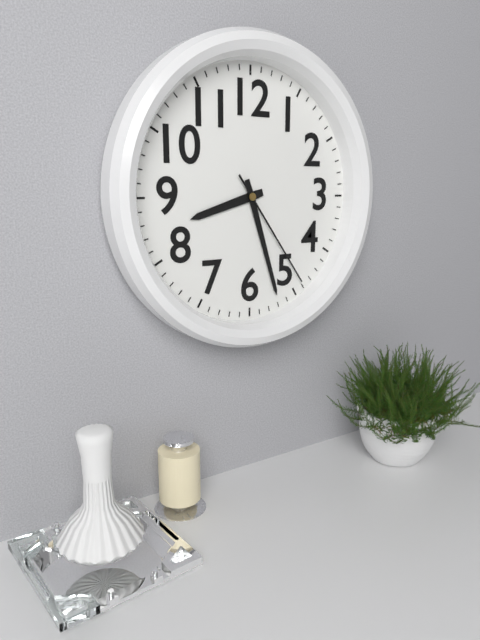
8 h 27 min 24 s
